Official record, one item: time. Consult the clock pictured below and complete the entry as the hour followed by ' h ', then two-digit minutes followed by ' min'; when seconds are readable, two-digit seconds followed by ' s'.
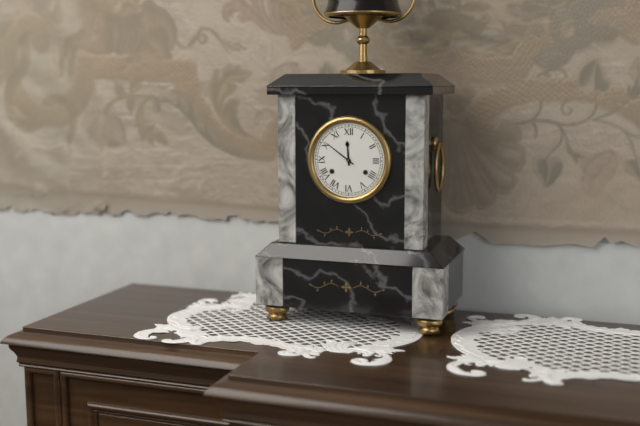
11 h 51 min
